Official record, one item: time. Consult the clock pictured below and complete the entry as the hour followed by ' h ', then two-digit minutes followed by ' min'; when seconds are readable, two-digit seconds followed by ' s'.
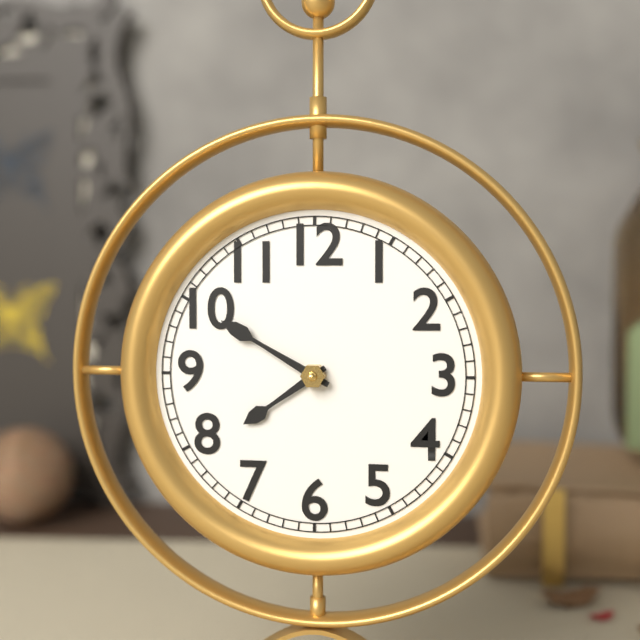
7 h 50 min
